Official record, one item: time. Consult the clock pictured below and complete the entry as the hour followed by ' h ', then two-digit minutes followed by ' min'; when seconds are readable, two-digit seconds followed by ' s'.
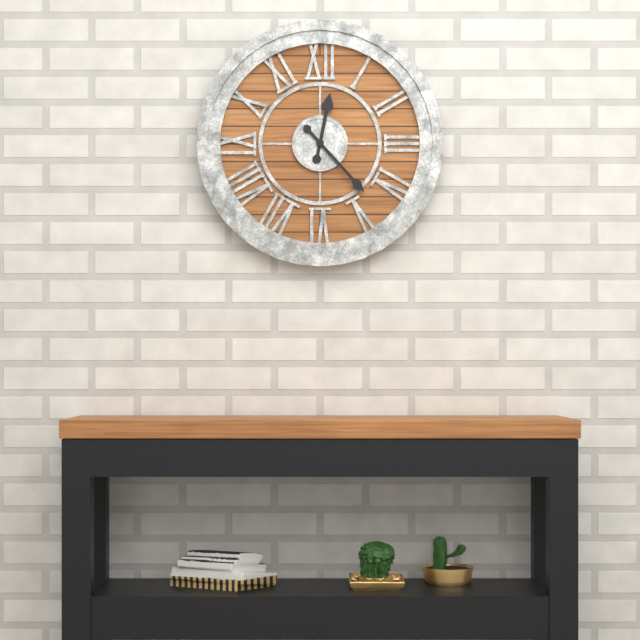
12 h 23 min
